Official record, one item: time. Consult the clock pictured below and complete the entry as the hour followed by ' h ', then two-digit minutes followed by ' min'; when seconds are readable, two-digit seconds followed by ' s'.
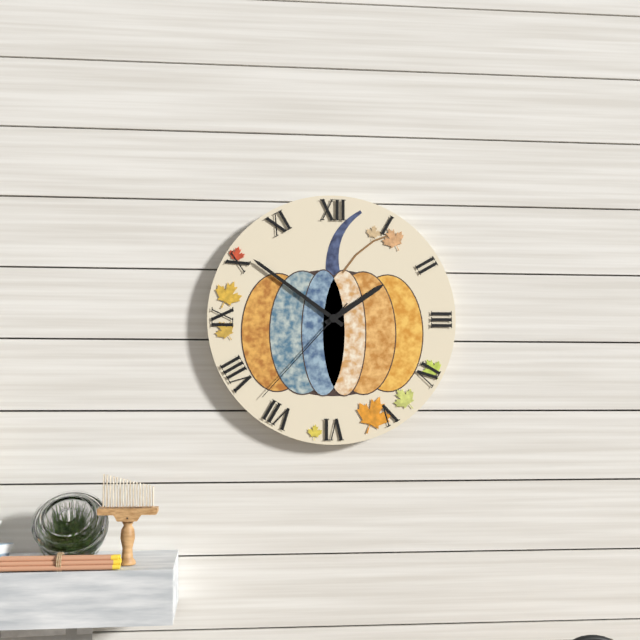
1 h 51 min 37 s
